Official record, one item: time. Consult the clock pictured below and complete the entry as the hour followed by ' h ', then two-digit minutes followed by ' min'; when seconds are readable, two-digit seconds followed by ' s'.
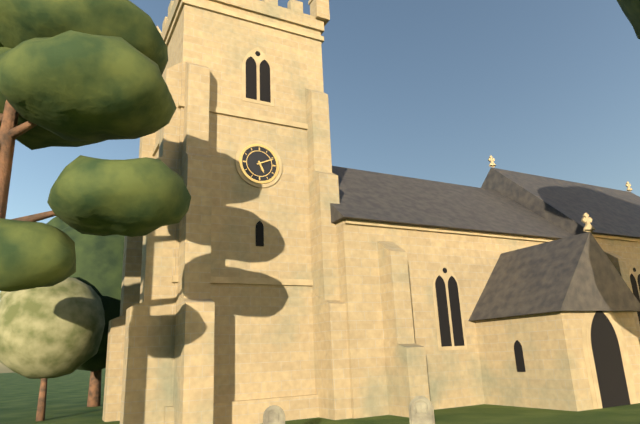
5 h 11 min
